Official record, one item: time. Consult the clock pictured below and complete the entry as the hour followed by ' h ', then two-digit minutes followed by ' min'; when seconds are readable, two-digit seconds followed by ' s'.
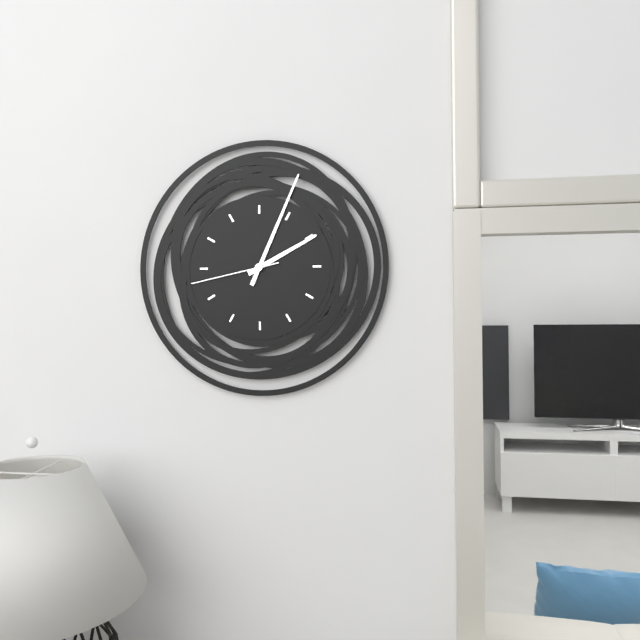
2 h 04 min 43 s
